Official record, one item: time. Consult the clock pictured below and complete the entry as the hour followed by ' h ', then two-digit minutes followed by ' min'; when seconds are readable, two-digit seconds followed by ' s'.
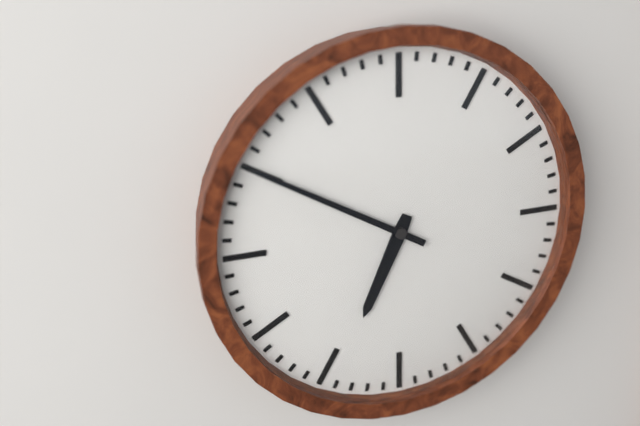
6 h 50 min
